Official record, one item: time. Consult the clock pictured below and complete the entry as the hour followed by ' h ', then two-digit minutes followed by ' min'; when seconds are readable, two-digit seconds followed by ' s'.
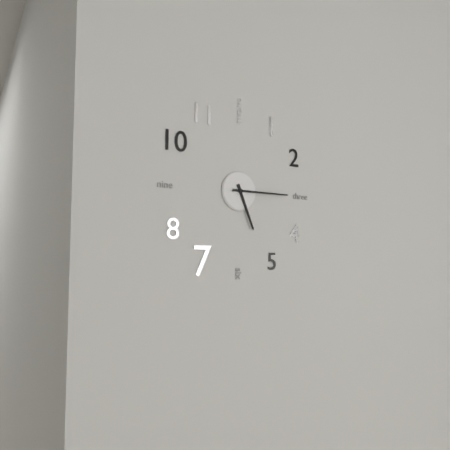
5 h 15 min
